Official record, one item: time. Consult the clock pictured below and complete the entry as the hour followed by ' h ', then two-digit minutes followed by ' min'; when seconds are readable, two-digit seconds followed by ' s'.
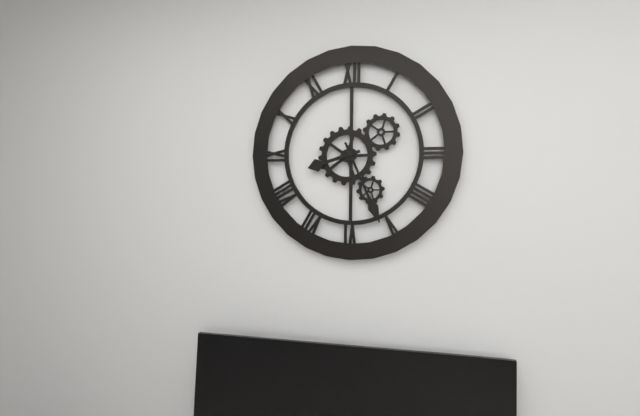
8 h 26 min
